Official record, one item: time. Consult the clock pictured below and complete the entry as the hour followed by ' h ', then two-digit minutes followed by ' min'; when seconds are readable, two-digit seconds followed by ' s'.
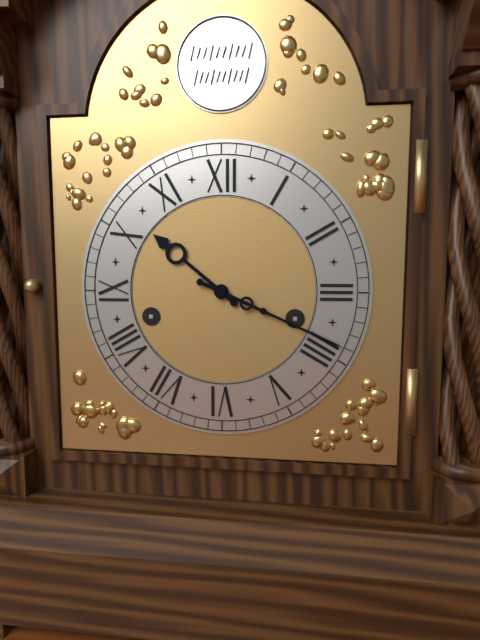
10 h 19 min
